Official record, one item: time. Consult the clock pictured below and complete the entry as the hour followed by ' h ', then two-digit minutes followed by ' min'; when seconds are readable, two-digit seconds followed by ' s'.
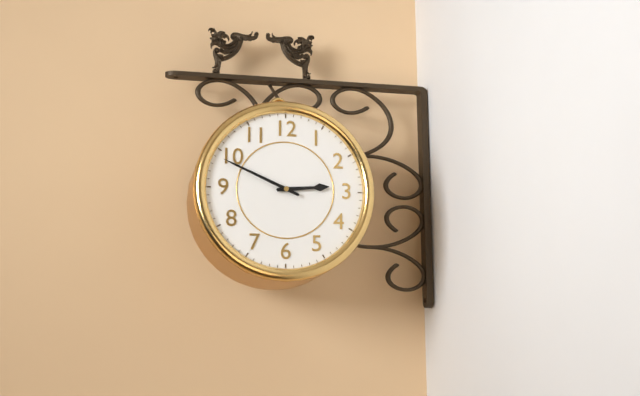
2 h 49 min
